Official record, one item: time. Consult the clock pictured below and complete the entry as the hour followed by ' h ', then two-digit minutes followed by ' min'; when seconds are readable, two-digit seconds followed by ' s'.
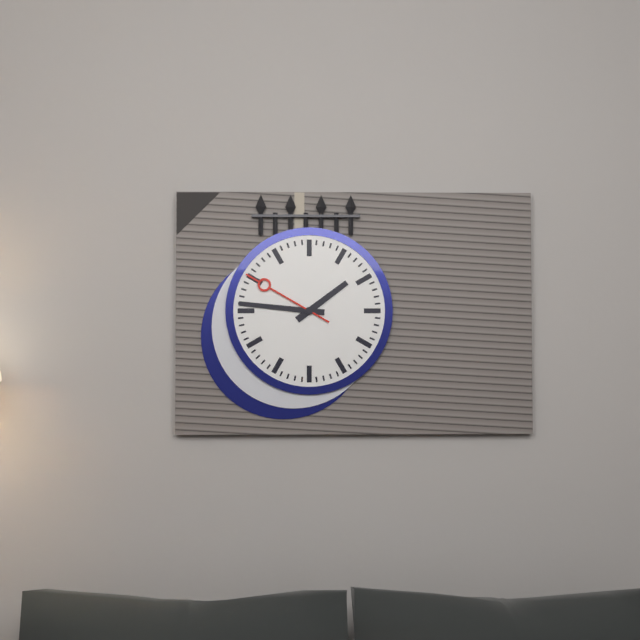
1 h 46 min 50 s
